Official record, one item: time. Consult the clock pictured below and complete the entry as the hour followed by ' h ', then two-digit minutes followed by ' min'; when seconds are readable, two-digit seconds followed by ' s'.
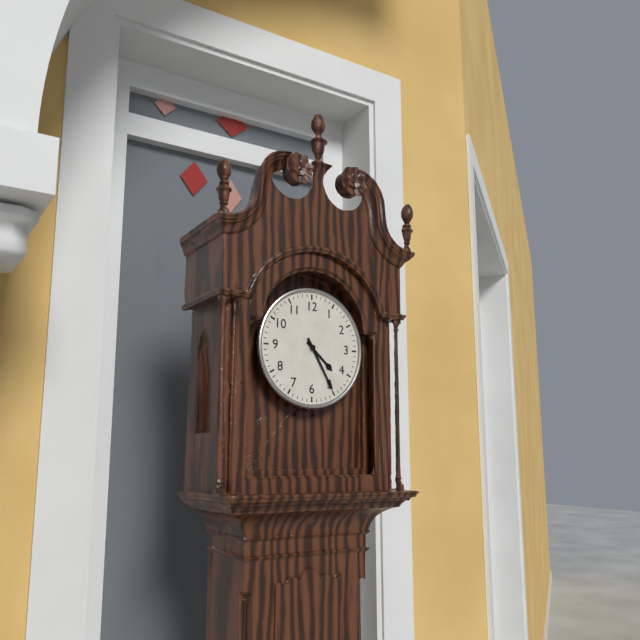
4 h 25 min
